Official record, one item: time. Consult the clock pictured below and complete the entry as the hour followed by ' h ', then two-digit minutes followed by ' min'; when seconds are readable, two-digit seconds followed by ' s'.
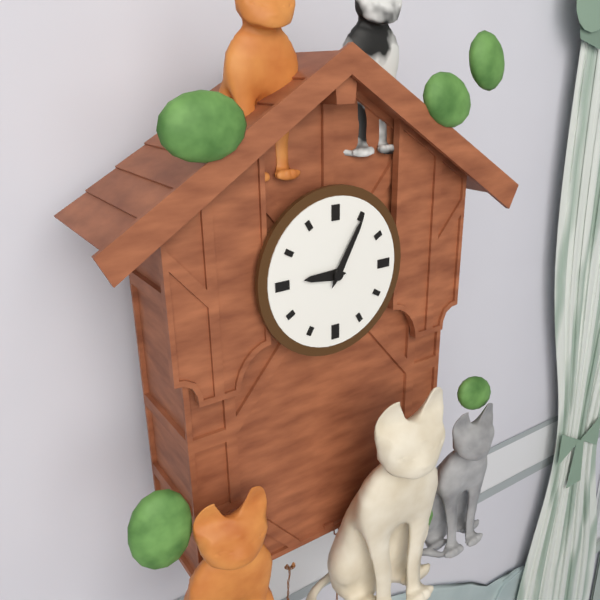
9 h 05 min
